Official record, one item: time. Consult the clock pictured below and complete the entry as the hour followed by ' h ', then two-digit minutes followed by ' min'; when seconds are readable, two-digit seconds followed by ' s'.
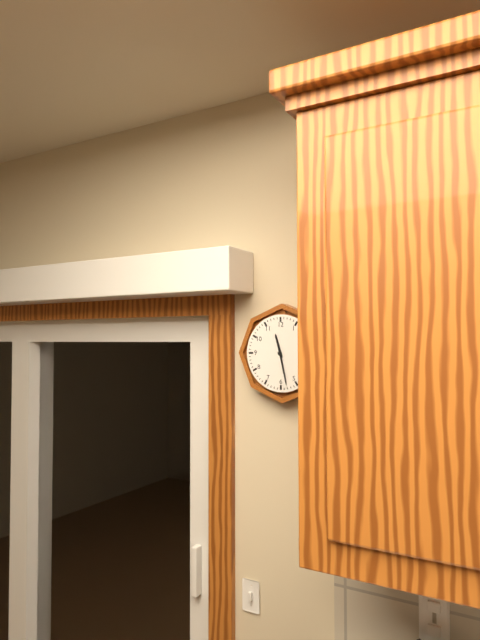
11 h 28 min
